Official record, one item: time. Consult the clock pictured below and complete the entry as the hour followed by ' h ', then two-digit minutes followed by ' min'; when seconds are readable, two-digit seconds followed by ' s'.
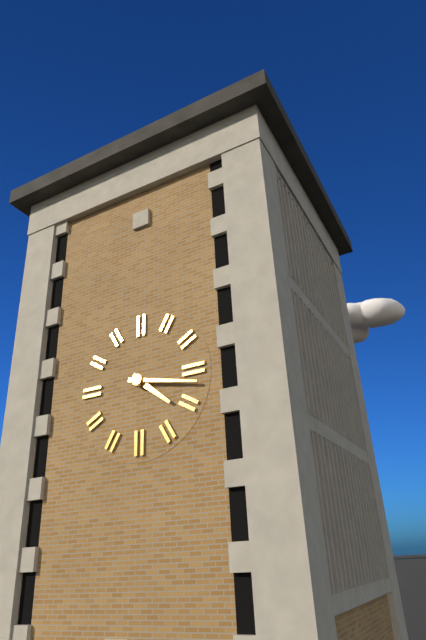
4 h 17 min
